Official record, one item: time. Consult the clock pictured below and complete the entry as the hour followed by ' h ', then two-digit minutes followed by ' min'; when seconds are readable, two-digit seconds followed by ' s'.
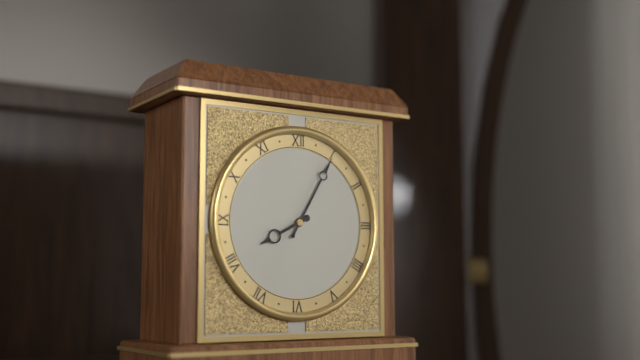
8 h 05 min
